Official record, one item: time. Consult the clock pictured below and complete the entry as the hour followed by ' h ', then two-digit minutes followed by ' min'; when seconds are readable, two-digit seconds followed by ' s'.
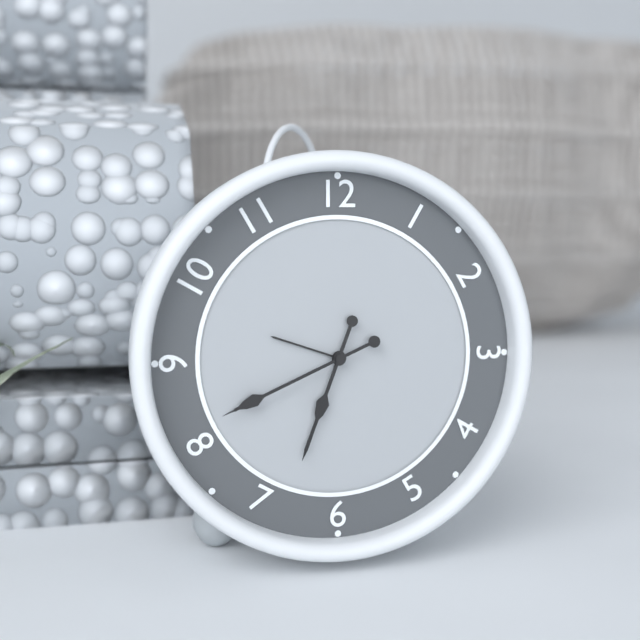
6 h 41 min
